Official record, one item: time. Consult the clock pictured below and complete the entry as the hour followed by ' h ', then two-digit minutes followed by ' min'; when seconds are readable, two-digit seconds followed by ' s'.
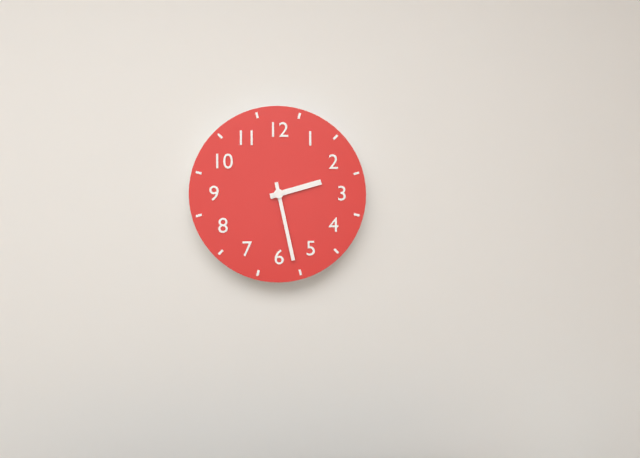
2 h 28 min
